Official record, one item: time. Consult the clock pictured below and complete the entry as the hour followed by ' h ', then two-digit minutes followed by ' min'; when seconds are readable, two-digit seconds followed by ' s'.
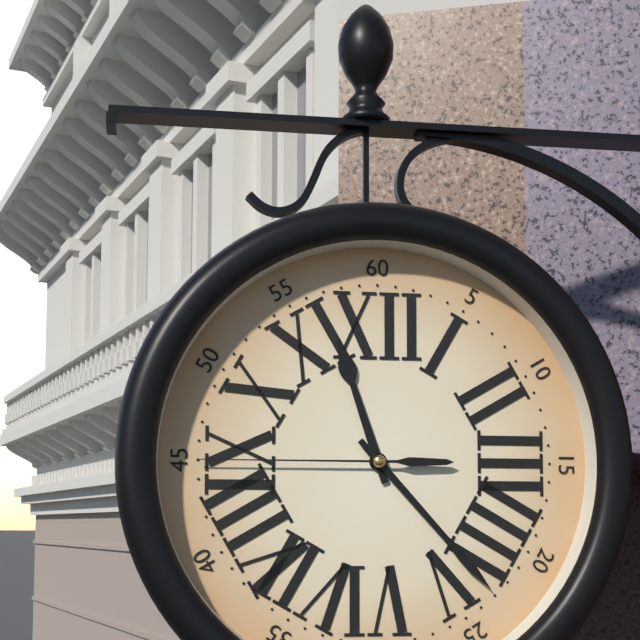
11 h 23 min 45 s
